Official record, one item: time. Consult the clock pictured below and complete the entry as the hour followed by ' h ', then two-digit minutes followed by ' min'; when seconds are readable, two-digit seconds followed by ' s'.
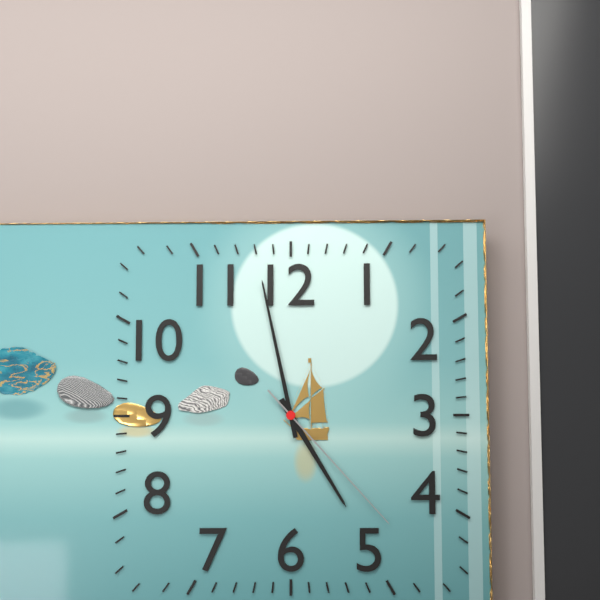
4 h 58 min 23 s
